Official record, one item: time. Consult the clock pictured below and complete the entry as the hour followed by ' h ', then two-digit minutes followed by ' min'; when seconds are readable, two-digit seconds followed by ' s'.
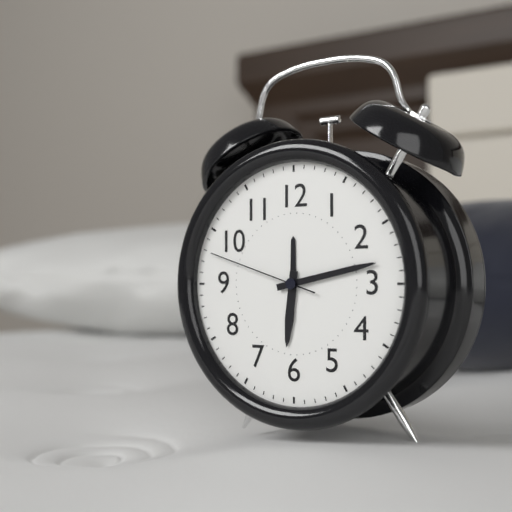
6 h 13 min 48 s
